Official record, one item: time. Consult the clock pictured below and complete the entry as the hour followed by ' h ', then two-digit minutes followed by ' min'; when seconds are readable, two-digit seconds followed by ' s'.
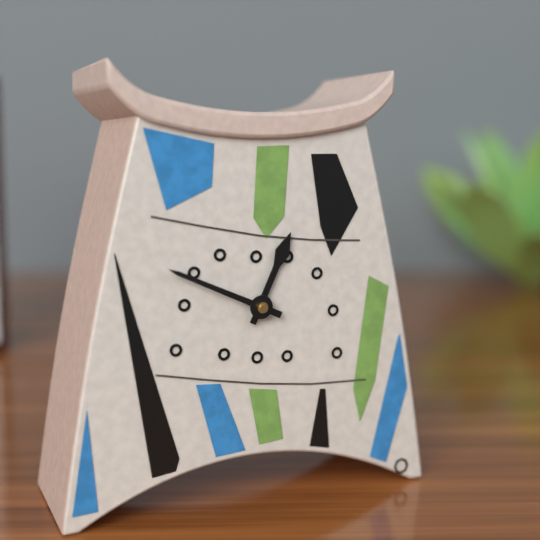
12 h 49 min
